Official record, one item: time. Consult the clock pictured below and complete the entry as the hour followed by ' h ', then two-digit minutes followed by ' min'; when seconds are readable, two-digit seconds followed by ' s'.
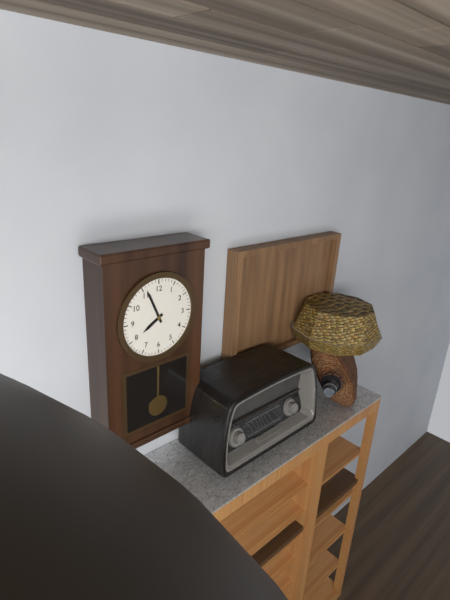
7 h 56 min
